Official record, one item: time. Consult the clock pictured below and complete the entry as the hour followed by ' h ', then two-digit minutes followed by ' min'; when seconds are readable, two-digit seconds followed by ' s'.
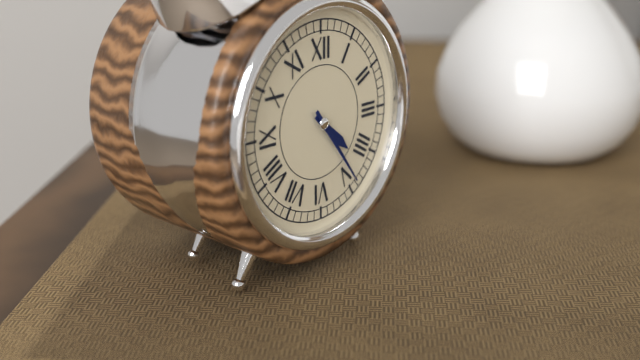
4 h 24 min
